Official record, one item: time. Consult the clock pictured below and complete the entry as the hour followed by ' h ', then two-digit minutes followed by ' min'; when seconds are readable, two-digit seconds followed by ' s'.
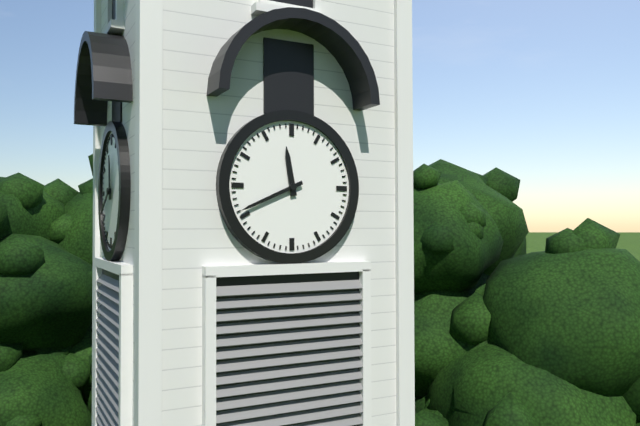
11 h 41 min
